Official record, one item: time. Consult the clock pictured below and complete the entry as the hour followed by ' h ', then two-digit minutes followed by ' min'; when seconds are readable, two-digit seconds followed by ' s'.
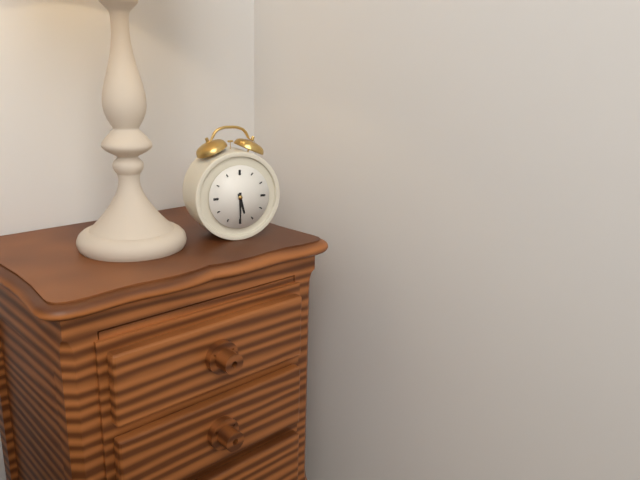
5 h 30 min
